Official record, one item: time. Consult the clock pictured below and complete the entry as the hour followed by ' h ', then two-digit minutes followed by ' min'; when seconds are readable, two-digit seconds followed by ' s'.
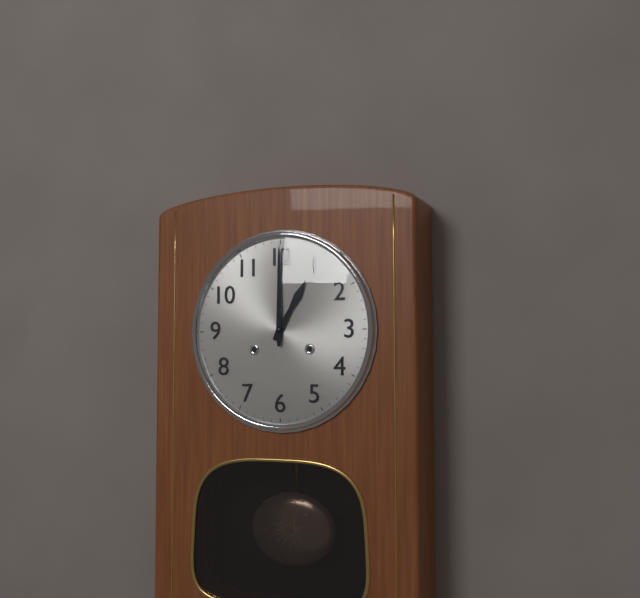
1 h 00 min
